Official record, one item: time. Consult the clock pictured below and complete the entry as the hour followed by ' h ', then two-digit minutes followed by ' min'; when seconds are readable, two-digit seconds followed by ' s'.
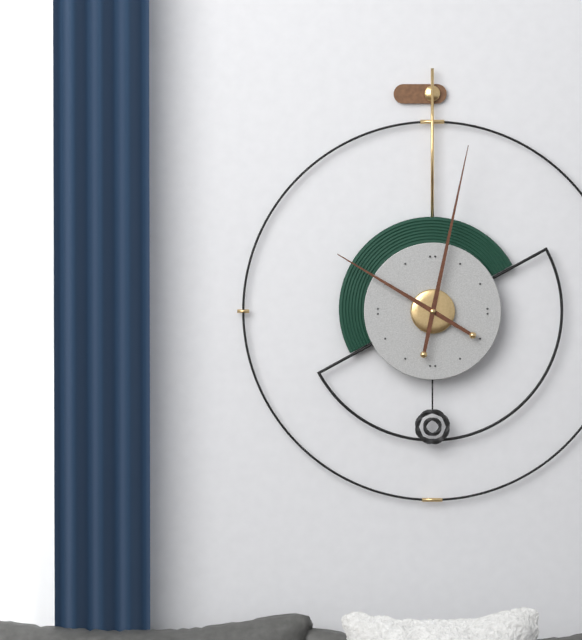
10 h 02 min
